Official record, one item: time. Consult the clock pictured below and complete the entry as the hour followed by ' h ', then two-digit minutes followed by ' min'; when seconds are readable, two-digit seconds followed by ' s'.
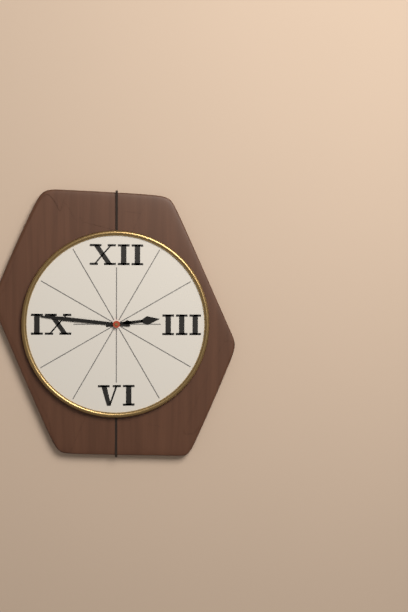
2 h 46 min
